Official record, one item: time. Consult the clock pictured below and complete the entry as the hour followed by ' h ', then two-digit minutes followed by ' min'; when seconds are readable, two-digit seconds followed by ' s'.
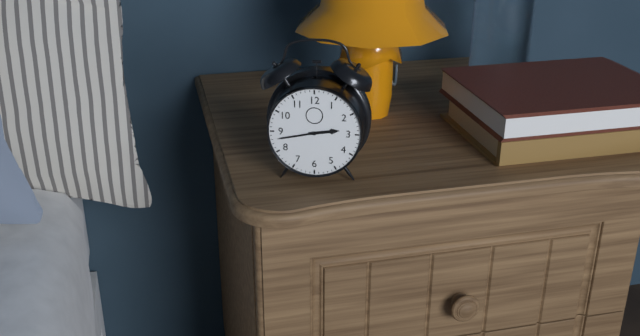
2 h 43 min
